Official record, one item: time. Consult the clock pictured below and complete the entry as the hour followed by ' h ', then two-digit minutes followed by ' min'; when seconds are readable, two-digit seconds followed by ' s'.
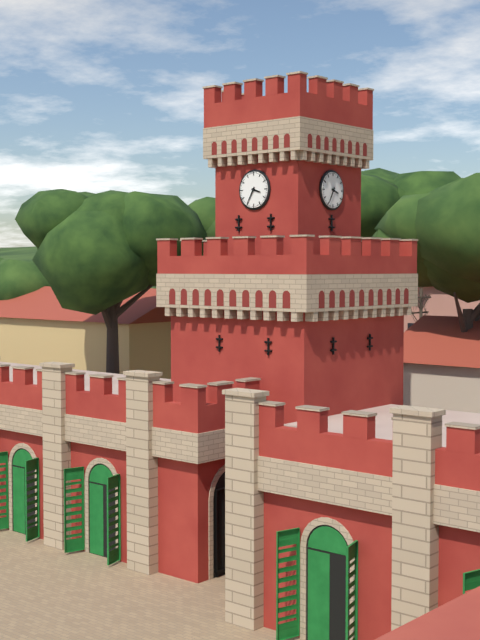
3 h 35 min
